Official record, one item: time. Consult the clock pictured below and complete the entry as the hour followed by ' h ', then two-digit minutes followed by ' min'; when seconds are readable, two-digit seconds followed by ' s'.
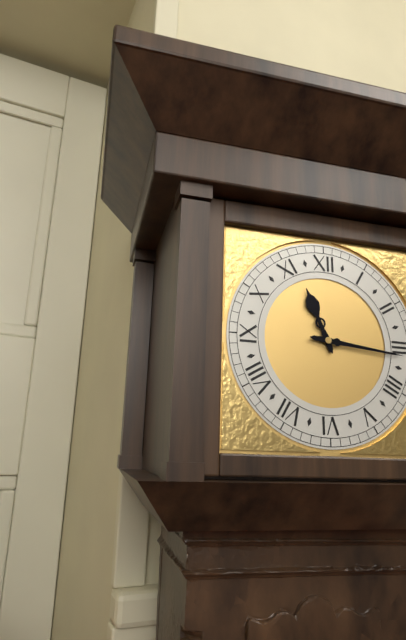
11 h 16 min
